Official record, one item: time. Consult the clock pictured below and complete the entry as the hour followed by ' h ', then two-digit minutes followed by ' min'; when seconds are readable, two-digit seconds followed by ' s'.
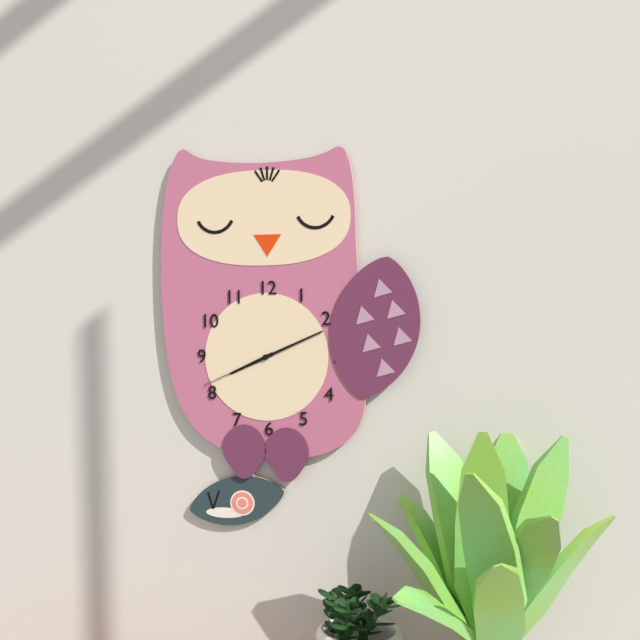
8 h 11 min 41 s
